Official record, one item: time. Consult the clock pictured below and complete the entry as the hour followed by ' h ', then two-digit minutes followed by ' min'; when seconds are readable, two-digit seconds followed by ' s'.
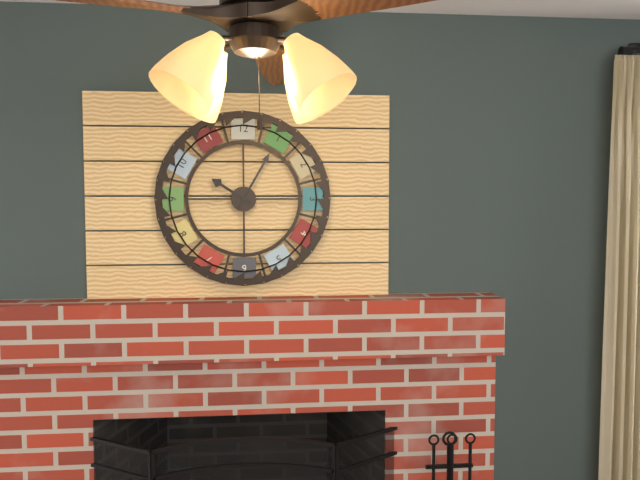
10 h 05 min
